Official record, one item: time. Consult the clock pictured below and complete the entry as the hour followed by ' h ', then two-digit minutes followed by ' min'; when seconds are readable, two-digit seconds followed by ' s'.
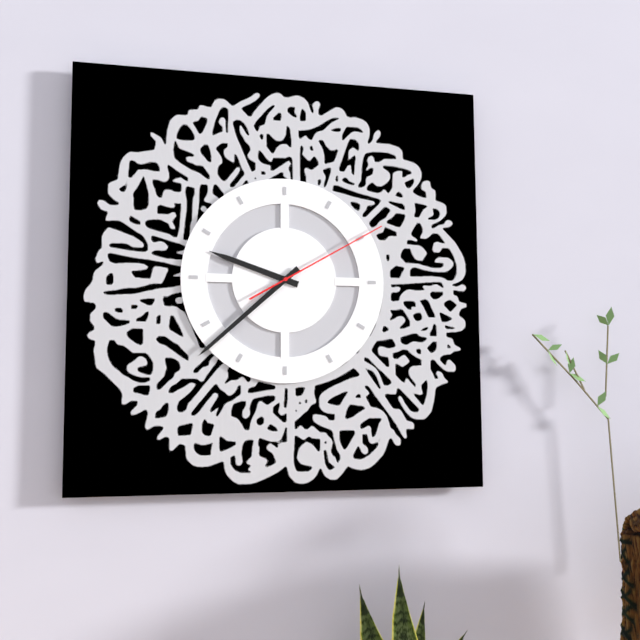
9 h 38 min 10 s
